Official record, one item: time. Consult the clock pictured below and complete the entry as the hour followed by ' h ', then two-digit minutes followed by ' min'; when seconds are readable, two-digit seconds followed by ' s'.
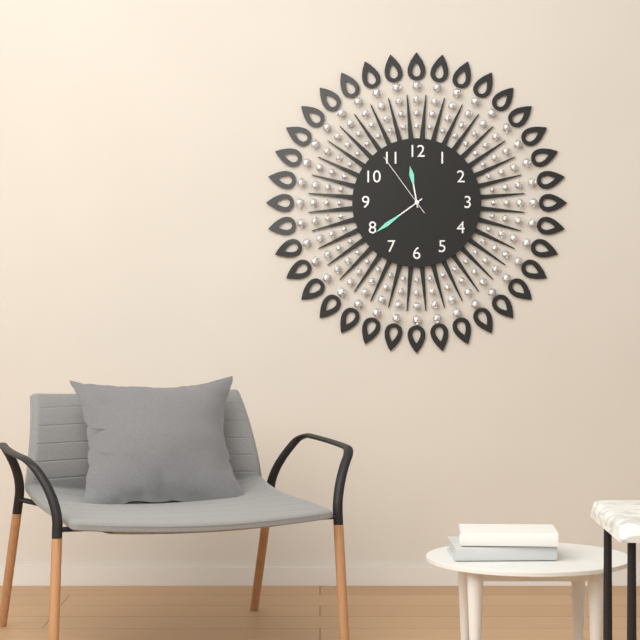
11 h 39 min 54 s
